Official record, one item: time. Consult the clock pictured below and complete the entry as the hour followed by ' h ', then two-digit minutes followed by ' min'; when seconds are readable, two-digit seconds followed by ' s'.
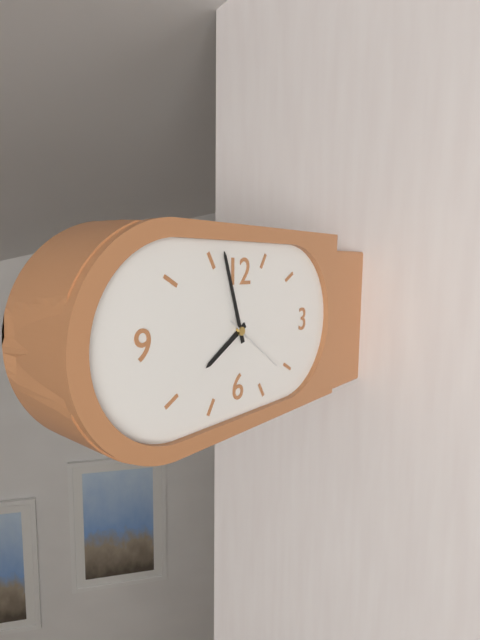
7 h 57 min 21 s
